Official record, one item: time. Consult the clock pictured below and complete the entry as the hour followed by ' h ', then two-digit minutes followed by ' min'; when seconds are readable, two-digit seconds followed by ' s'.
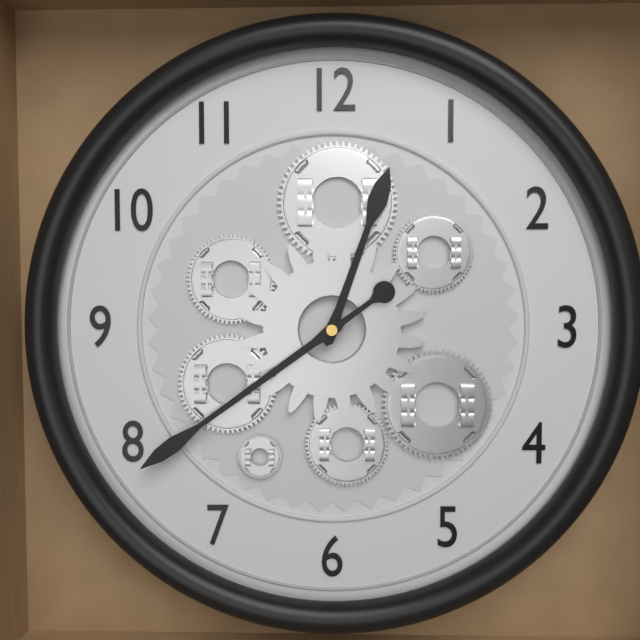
12 h 39 min
